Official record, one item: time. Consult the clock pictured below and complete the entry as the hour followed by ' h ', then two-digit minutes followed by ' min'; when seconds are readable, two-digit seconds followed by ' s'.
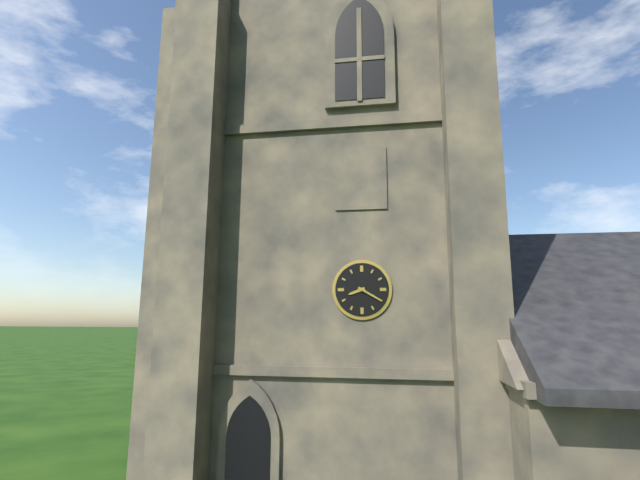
8 h 20 min
